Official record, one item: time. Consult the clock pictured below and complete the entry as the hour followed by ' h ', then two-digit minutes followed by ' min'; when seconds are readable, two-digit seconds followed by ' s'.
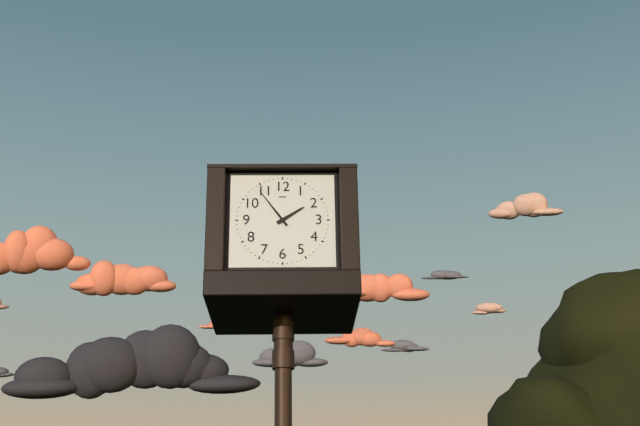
1 h 54 min
